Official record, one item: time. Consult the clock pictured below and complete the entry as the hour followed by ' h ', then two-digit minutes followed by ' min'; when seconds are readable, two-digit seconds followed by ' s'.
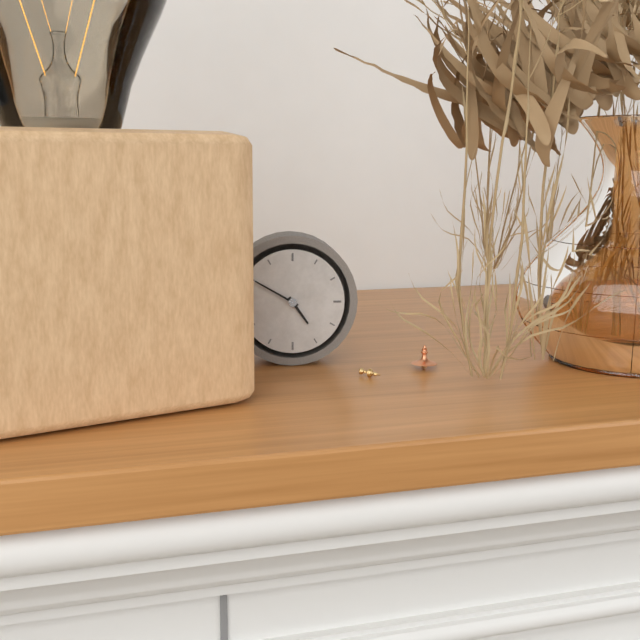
4 h 50 min
